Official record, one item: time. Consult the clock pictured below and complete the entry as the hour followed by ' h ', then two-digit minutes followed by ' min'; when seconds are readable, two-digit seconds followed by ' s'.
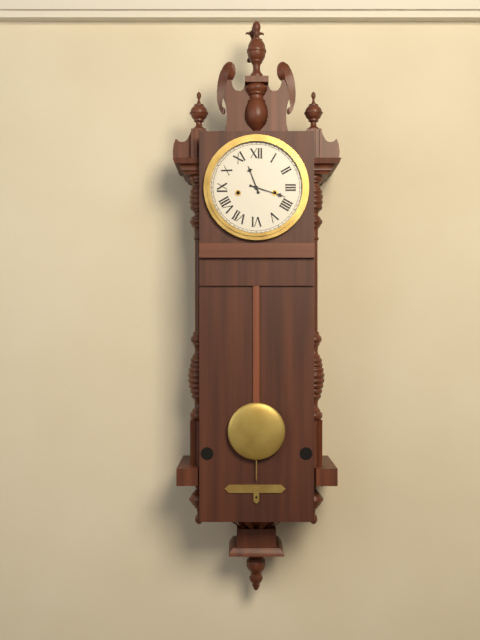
11 h 18 min
